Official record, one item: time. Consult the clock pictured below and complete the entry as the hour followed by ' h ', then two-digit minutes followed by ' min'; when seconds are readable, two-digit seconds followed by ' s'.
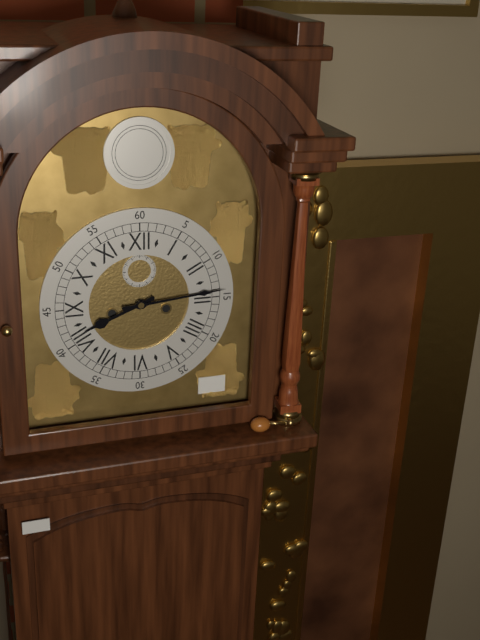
8 h 14 min
